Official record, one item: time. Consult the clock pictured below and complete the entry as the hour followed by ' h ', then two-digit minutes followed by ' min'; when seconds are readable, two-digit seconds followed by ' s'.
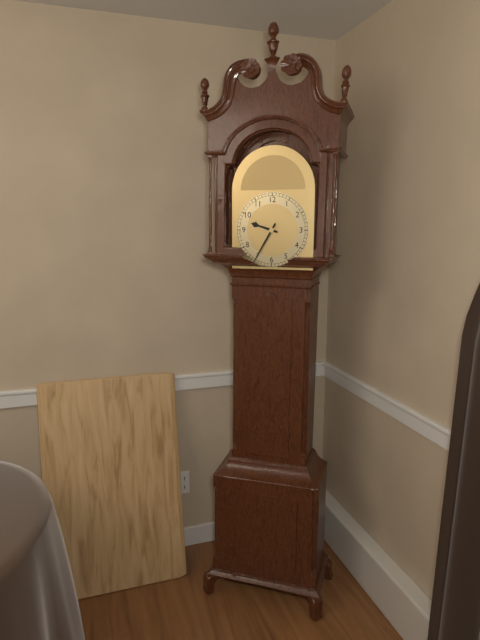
9 h 35 min
